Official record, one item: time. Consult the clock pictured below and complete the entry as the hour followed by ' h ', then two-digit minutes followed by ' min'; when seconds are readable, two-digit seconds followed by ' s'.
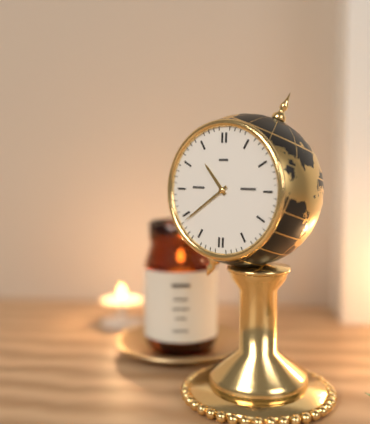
10 h 39 min
